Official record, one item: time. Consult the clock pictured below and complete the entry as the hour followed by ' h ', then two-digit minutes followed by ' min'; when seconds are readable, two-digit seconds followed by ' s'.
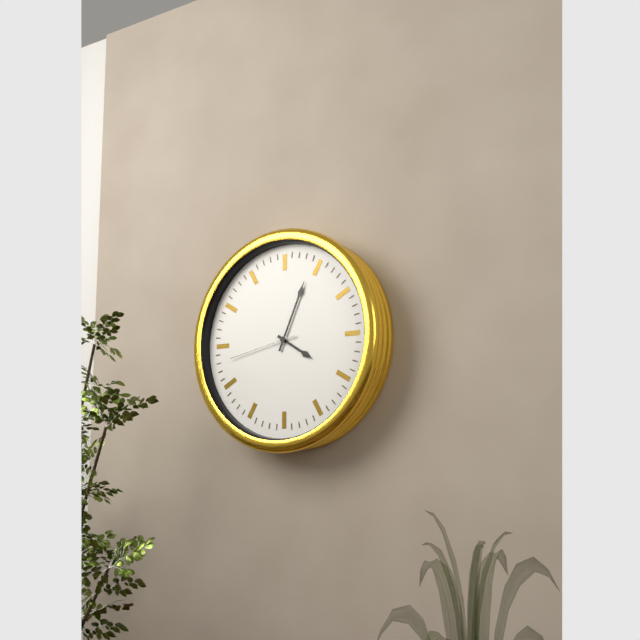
4 h 04 min 43 s
